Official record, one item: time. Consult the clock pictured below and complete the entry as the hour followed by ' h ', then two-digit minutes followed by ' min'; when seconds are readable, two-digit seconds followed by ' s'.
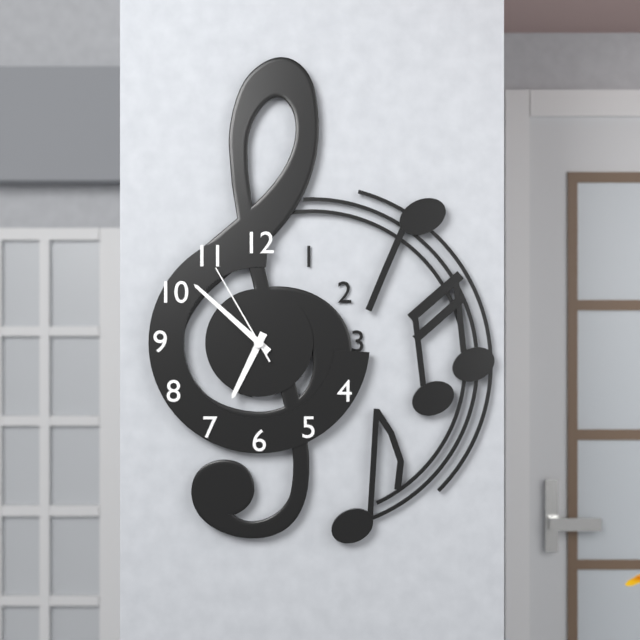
6 h 52 min 55 s
